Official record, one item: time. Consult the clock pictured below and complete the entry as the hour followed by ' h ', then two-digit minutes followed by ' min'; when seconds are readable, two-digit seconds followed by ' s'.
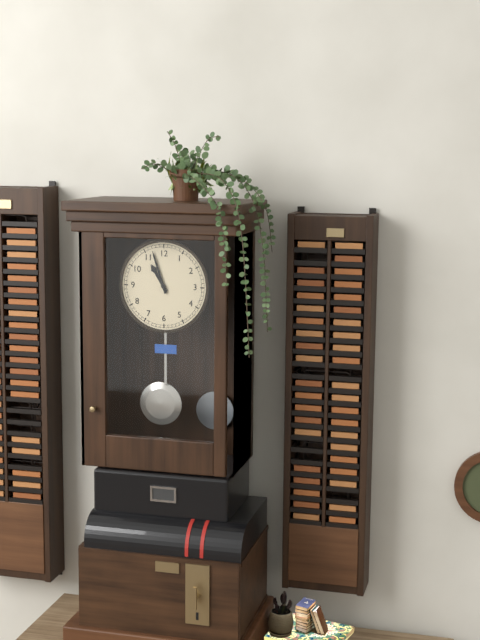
10 h 57 min
